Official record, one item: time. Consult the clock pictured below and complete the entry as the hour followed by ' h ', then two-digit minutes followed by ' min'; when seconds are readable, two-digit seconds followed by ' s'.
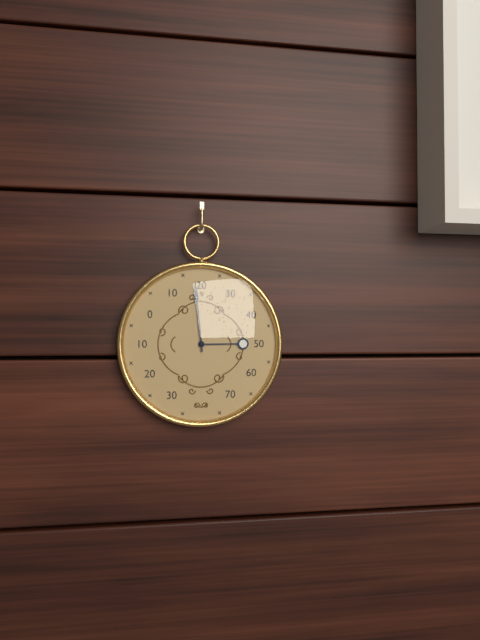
2 h 59 min
